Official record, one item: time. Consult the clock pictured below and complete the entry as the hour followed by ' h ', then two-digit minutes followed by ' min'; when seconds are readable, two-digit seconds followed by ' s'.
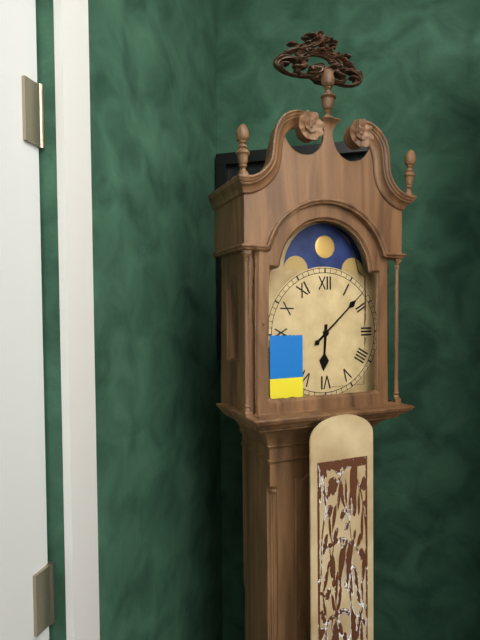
6 h 08 min
